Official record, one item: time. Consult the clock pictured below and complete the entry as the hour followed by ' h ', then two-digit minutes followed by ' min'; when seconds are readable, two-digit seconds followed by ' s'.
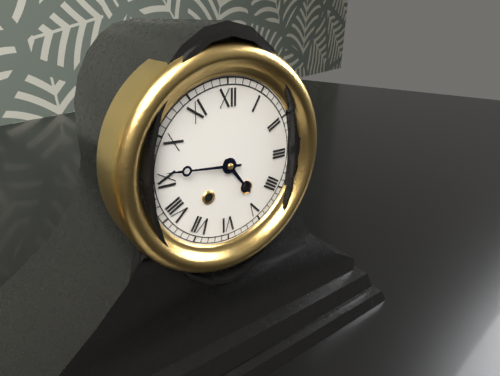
4 h 46 min
